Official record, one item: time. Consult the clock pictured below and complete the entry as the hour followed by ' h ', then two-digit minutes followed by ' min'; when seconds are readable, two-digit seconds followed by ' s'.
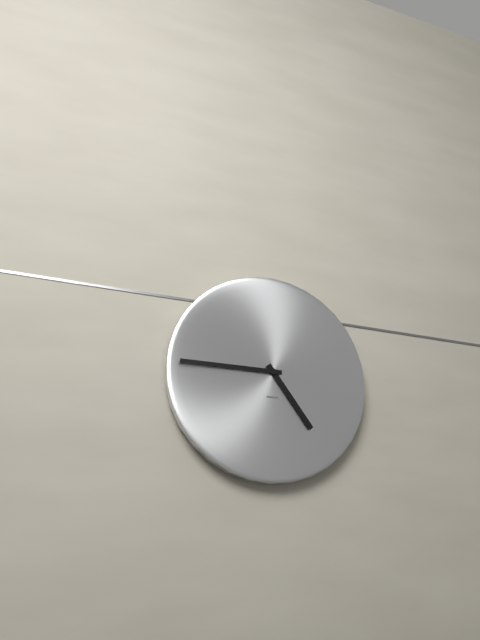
4 h 45 min
